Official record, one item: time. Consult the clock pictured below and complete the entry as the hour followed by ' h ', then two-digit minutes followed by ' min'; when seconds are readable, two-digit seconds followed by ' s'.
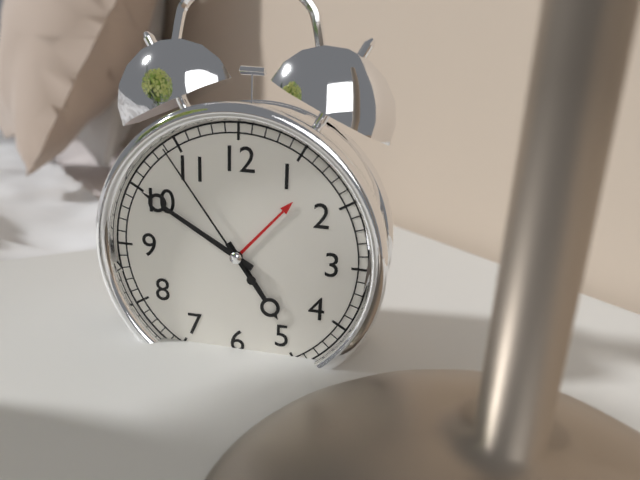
4 h 50 min 54 s
